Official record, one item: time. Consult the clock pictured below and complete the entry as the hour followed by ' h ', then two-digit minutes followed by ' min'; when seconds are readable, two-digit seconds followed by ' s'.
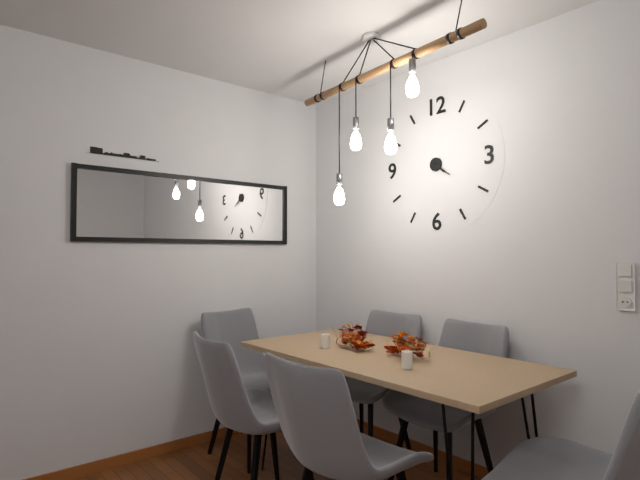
4 h 21 min
